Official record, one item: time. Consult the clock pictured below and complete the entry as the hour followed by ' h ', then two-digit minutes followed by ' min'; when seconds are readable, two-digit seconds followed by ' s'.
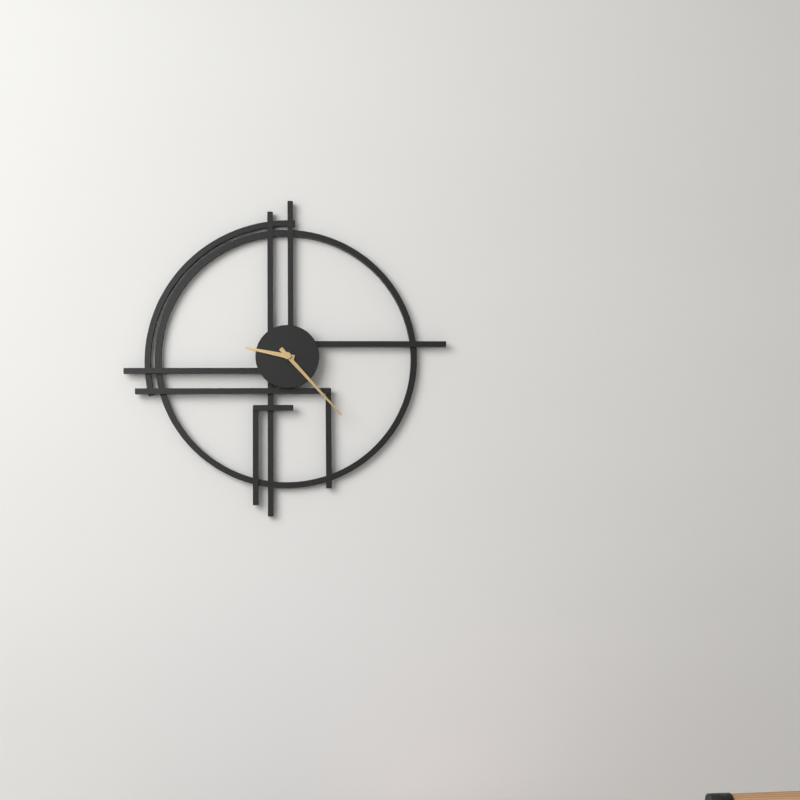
9 h 23 min
